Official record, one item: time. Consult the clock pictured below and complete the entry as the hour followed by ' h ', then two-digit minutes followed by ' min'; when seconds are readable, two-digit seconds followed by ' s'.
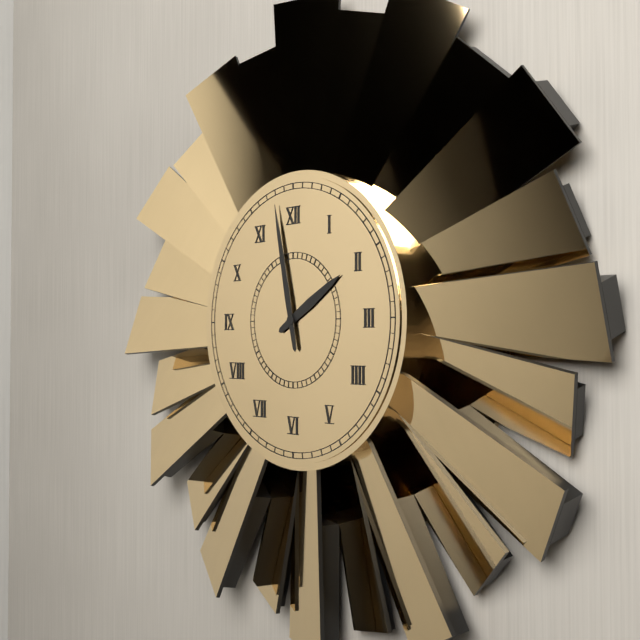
1 h 58 min
